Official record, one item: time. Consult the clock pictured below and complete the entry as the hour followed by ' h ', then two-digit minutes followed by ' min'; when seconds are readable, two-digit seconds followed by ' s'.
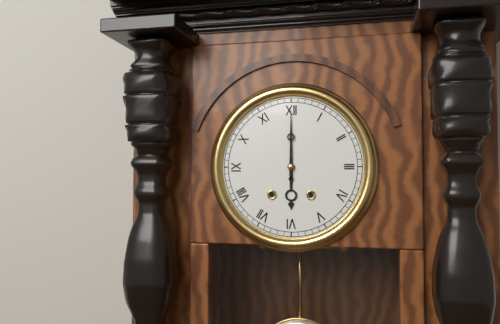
6 h 00 min
